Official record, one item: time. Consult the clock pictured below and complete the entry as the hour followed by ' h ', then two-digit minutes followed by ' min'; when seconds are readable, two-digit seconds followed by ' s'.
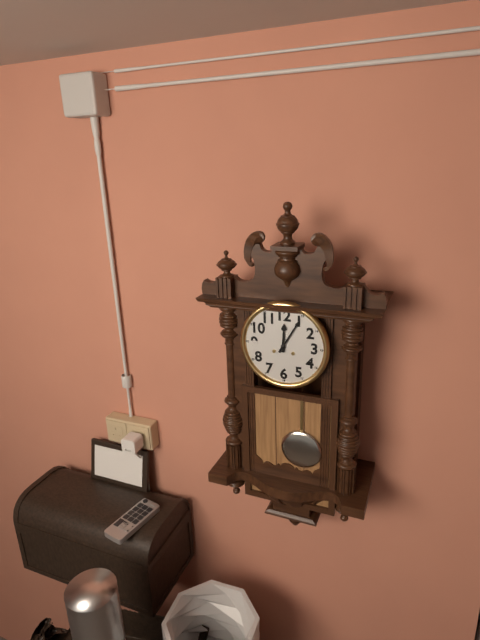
12 h 05 min
